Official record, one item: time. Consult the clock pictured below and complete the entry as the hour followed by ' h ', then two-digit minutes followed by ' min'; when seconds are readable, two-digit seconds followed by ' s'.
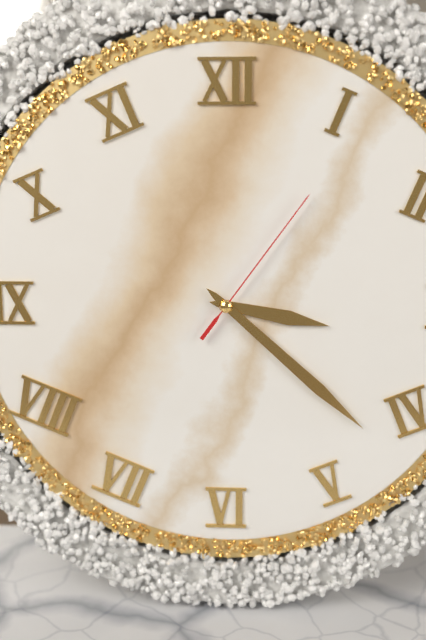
3 h 22 min 06 s
